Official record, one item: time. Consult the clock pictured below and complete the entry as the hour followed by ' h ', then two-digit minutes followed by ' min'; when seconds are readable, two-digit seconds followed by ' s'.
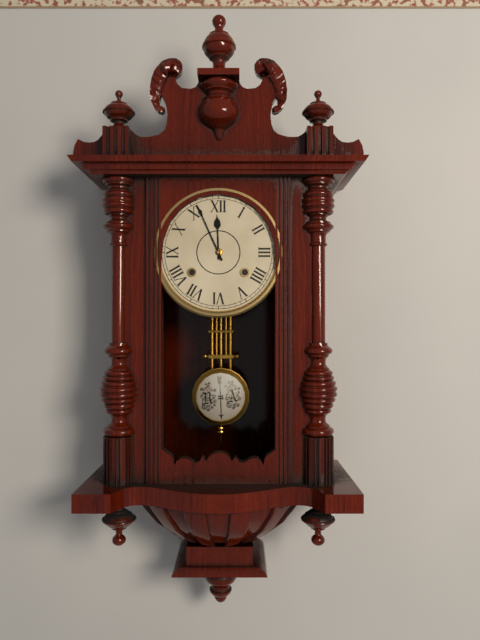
11 h 56 min
